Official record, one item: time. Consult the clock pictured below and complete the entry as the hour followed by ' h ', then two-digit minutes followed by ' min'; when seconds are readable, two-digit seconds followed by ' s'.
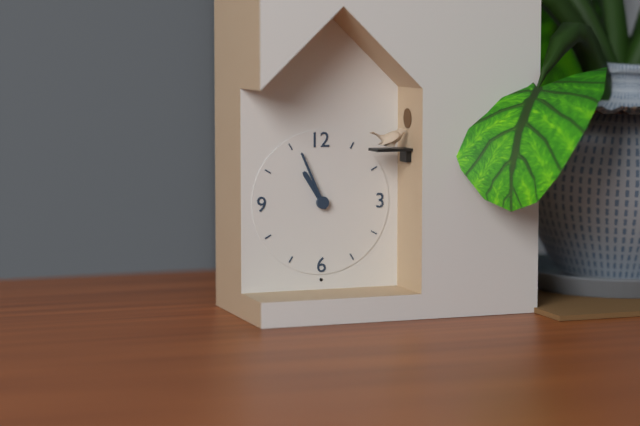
10 h 56 min
